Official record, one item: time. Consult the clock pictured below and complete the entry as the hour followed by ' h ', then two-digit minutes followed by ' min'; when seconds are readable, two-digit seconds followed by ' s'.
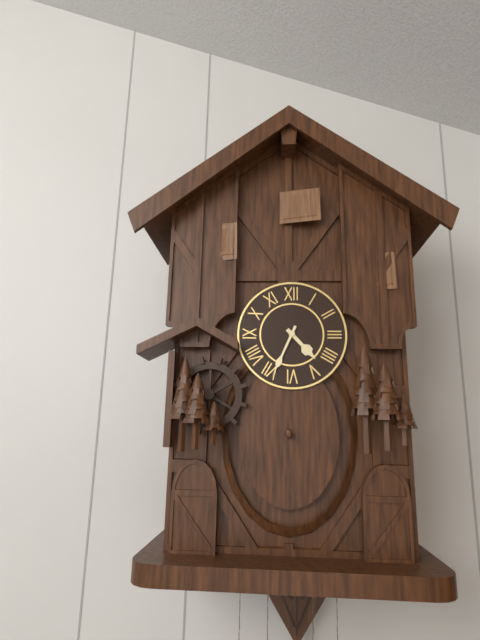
4 h 34 min
